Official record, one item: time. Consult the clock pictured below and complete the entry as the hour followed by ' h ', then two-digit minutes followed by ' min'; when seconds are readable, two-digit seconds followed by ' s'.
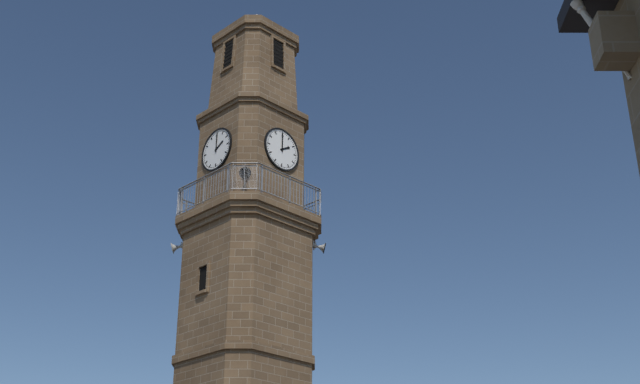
2 h 00 min
